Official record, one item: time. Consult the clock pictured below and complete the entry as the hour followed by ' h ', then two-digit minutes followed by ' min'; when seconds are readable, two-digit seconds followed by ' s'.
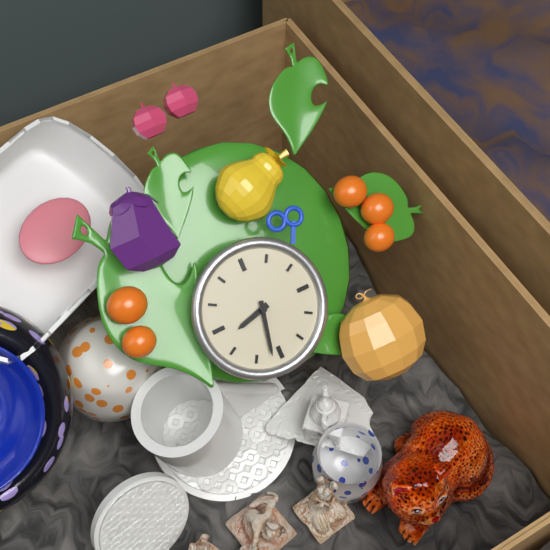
8 h 32 min
